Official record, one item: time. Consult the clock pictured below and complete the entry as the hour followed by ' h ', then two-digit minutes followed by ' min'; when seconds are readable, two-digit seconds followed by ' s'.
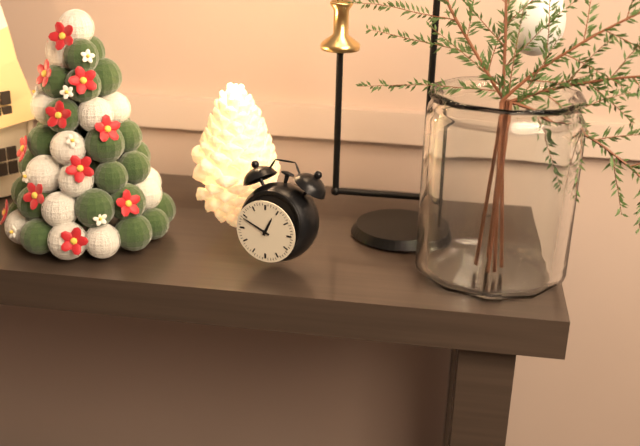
12 h 49 min
